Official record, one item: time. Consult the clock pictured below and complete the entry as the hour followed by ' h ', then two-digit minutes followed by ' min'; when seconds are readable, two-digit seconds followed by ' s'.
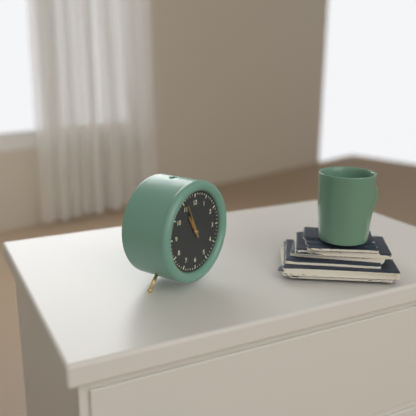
10 h 56 min
